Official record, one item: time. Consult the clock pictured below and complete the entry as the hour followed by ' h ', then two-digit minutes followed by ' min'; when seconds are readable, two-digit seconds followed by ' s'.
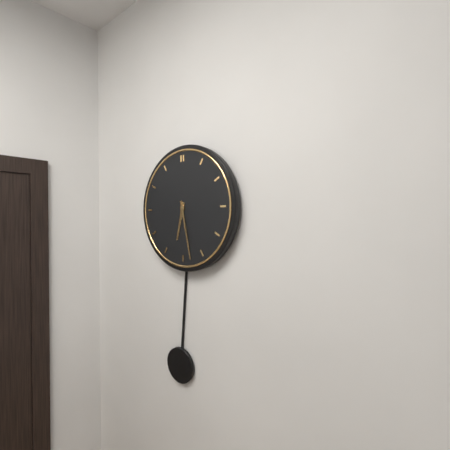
6 h 28 min
